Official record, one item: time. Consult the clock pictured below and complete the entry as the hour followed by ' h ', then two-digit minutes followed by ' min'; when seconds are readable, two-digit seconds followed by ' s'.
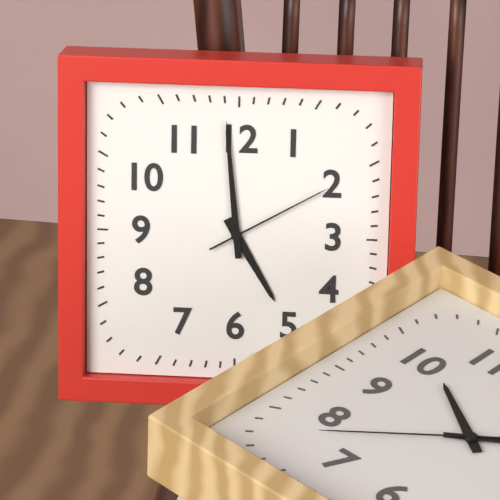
4 h 59 min 10 s
